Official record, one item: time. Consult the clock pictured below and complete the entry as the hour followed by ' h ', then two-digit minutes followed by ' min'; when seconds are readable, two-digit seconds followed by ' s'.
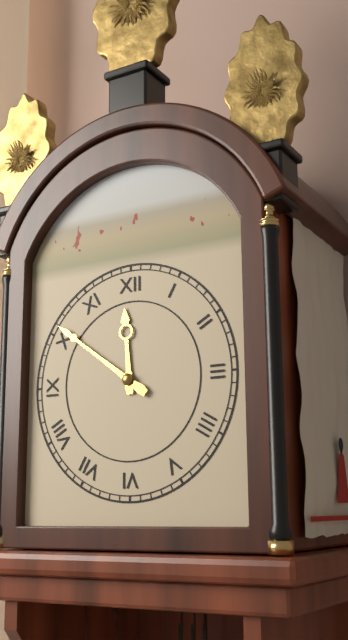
11 h 51 min
